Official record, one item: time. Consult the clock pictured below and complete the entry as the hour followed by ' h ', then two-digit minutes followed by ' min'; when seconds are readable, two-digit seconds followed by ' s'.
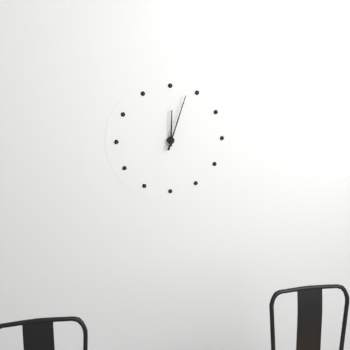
12 h 03 min
